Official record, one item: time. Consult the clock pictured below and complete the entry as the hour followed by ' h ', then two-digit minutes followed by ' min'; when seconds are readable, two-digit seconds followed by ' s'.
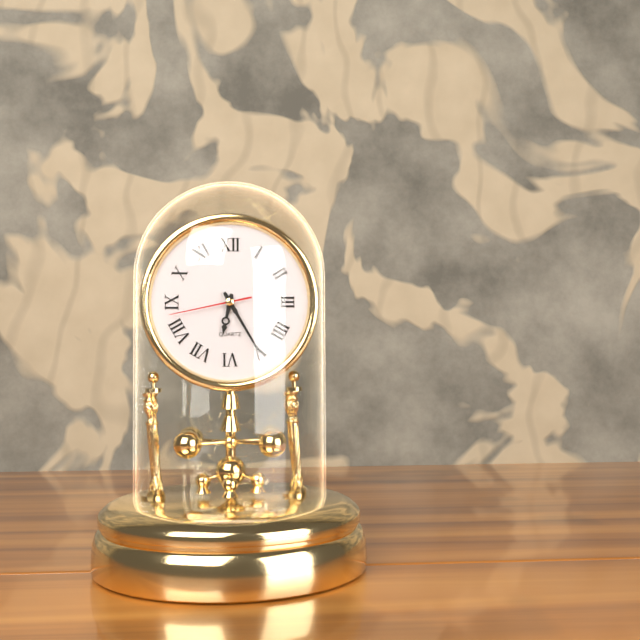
6 h 25 min 43 s
